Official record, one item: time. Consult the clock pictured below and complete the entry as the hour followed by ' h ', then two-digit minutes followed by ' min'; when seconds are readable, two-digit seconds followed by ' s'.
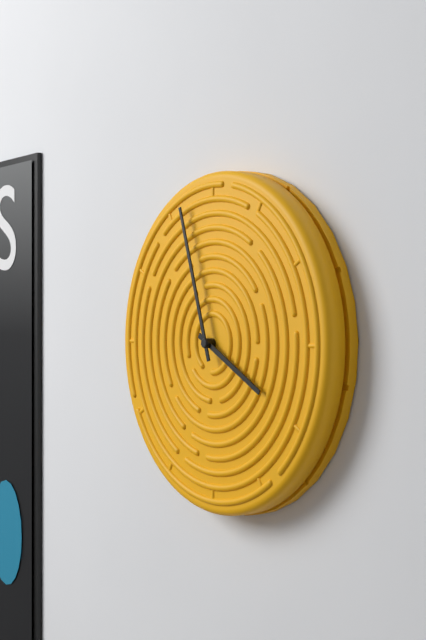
3 h 57 min
